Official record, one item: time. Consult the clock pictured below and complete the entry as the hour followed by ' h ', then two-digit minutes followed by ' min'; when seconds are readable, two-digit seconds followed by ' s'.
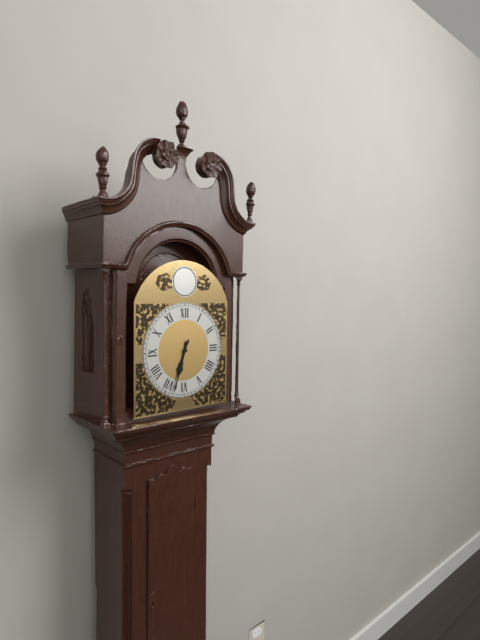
6 h 33 min
